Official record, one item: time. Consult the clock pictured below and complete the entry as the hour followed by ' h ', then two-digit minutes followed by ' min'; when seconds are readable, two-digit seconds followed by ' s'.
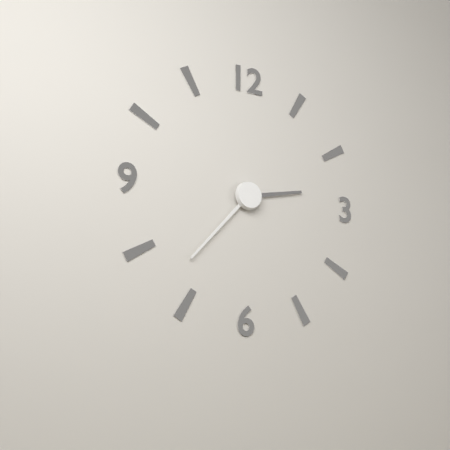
2 h 37 min
